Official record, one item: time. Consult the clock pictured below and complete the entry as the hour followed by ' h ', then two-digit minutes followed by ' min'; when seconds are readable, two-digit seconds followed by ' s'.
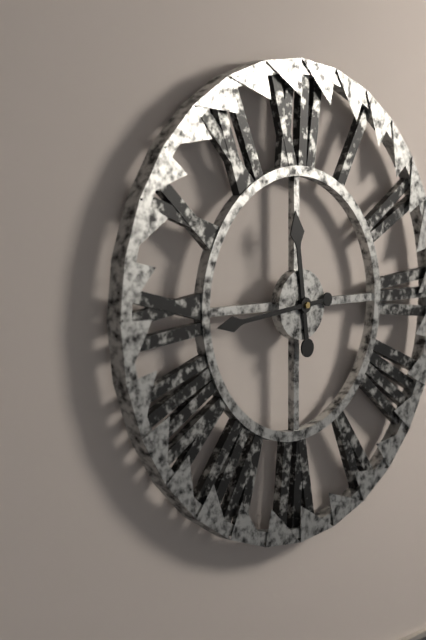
11 h 44 min
